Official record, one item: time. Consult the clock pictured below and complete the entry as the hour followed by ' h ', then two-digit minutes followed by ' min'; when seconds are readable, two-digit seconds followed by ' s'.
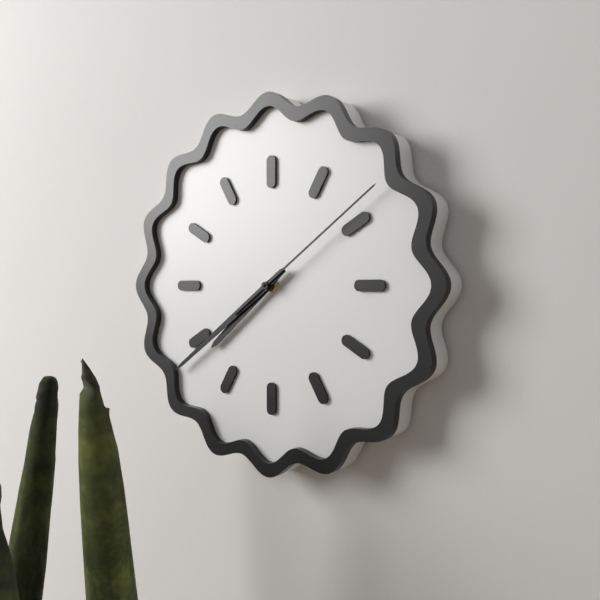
7 h 39 min 09 s
